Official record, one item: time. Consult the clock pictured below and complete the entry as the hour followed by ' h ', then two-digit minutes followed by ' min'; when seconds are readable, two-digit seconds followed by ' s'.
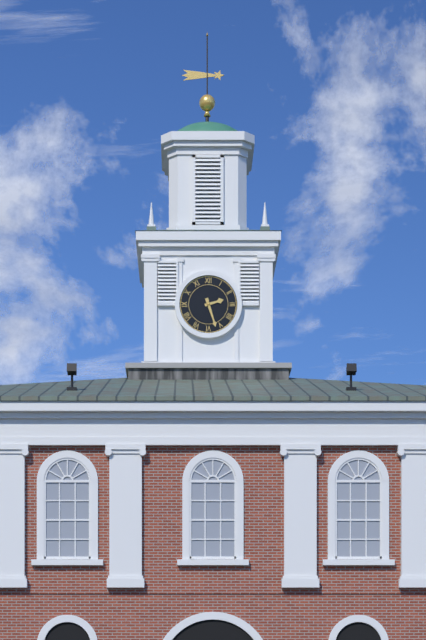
2 h 27 min
